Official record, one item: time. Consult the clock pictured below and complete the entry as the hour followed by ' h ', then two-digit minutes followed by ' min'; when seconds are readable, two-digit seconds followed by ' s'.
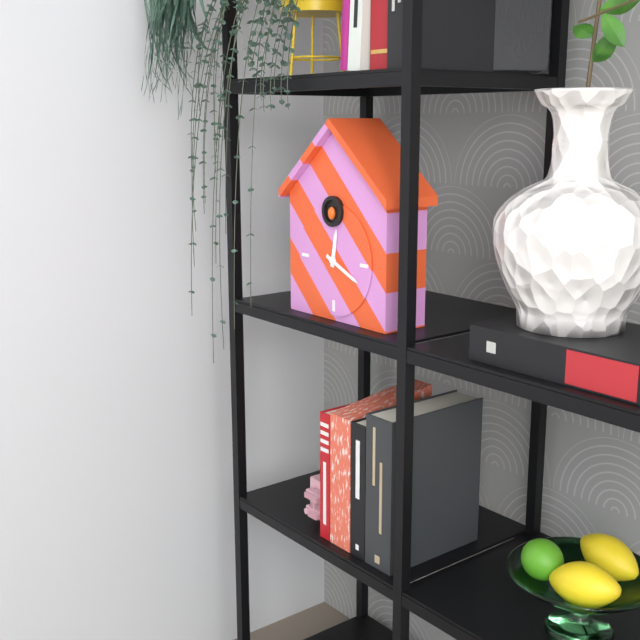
12 h 19 min
